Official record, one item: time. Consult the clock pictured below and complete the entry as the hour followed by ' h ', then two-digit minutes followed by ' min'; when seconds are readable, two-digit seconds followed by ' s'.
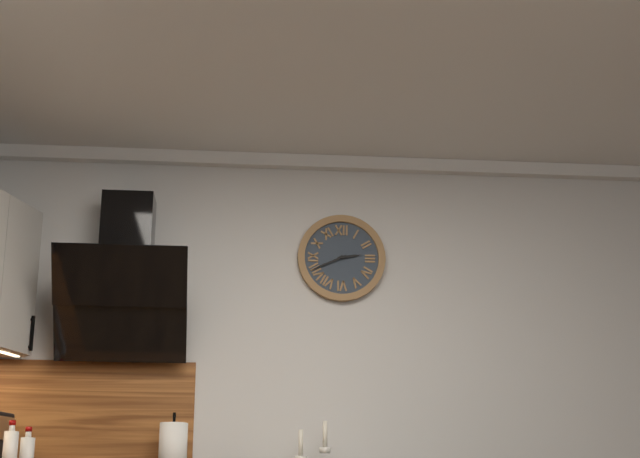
2 h 41 min
